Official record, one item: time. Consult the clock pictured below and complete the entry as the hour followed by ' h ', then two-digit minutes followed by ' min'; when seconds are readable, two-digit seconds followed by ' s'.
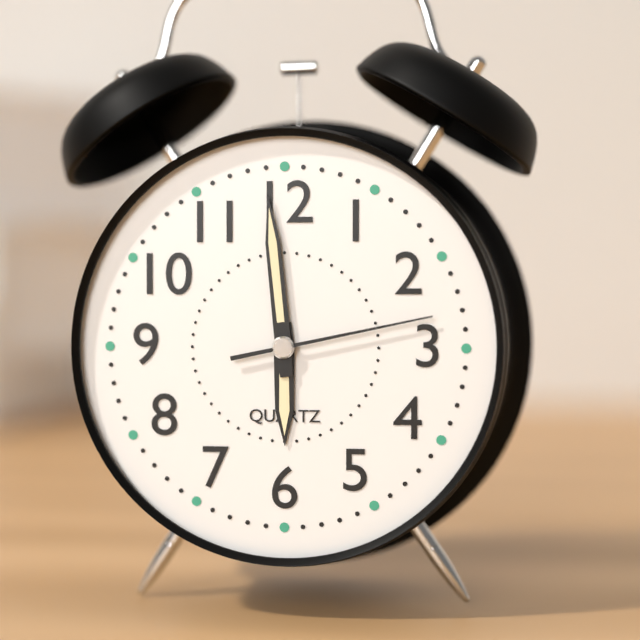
5 h 59 min 13 s
